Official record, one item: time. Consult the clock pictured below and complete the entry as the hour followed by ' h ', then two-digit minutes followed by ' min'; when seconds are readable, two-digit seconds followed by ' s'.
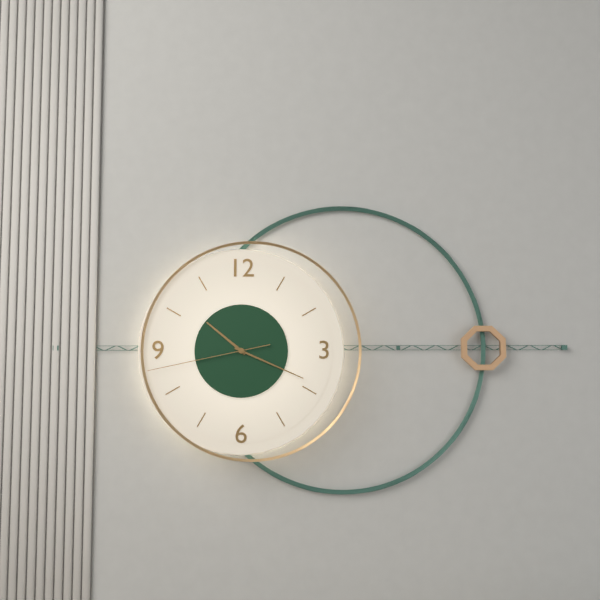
10 h 19 min 43 s
